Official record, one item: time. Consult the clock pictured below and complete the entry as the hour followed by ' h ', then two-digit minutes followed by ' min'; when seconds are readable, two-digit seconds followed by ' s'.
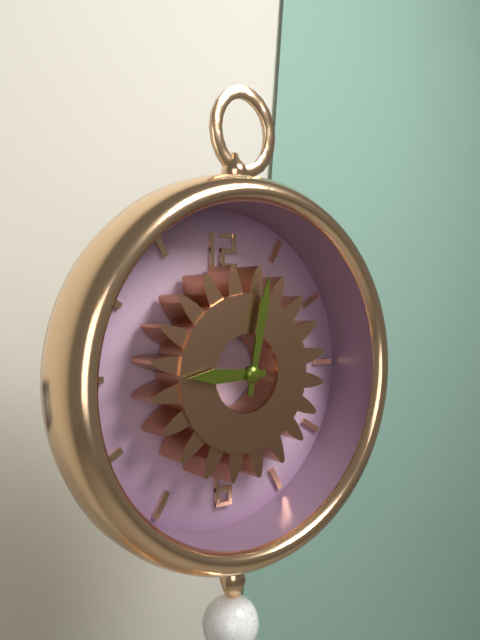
9 h 02 min
